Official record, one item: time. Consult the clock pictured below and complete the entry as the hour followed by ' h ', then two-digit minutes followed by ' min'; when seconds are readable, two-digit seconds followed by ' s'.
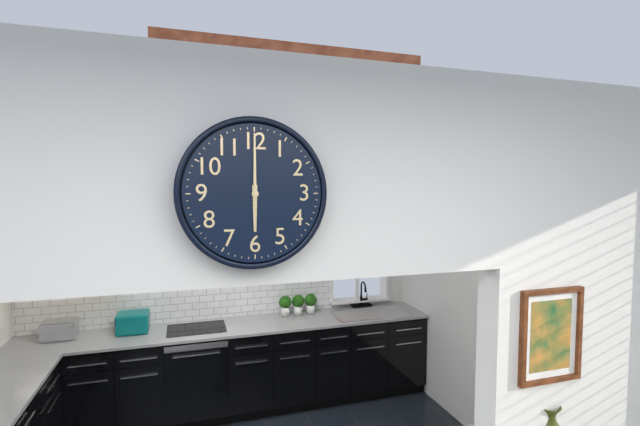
6 h 00 min
